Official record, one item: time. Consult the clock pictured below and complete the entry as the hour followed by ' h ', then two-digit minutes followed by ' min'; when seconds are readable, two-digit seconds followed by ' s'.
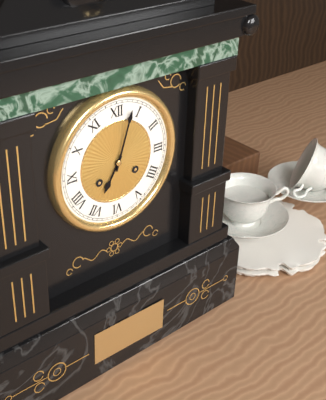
7 h 03 min
